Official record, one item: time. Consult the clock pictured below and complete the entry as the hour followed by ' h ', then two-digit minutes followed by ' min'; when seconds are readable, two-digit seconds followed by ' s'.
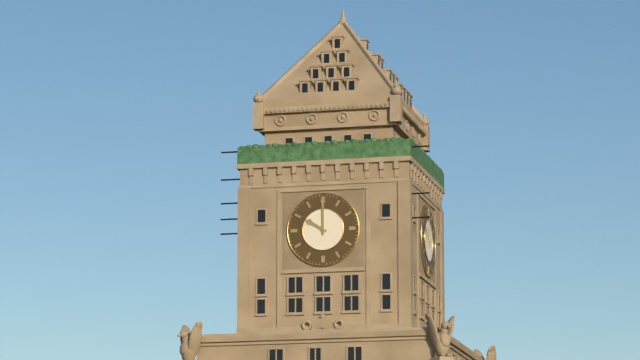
10 h 00 min
